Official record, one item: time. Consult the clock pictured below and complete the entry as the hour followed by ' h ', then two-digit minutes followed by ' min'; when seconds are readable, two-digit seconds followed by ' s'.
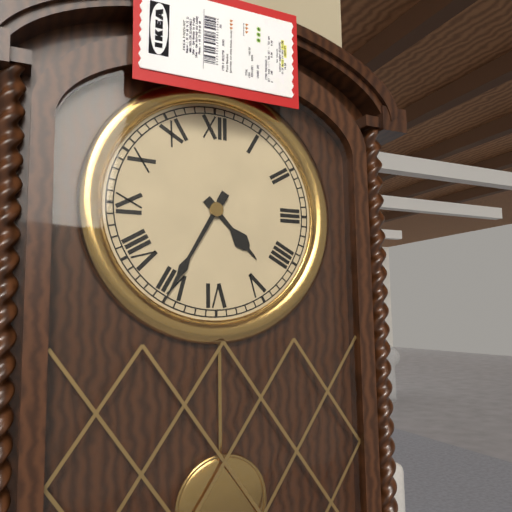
4 h 35 min
